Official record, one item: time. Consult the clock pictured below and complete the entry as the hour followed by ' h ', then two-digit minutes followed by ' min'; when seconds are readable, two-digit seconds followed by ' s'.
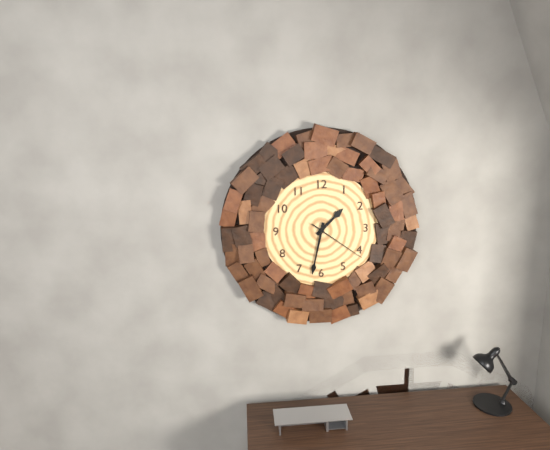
1 h 32 min 21 s
